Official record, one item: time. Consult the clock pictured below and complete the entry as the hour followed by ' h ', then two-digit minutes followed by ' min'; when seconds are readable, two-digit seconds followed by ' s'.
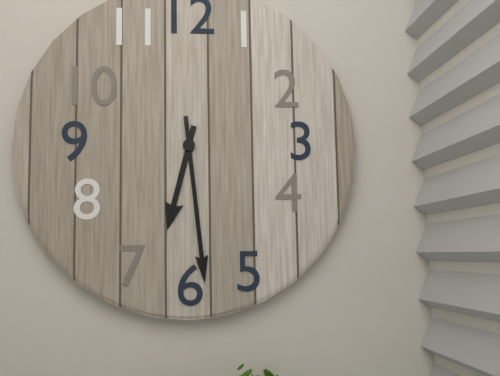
6 h 29 min
